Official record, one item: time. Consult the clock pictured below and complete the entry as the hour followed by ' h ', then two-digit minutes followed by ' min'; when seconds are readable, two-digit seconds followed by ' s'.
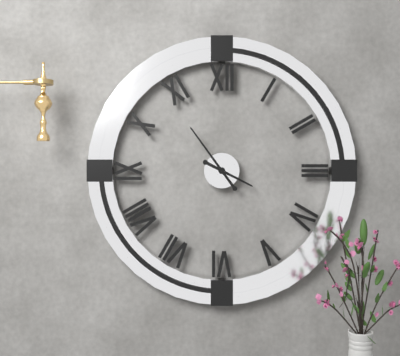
3 h 54 min
